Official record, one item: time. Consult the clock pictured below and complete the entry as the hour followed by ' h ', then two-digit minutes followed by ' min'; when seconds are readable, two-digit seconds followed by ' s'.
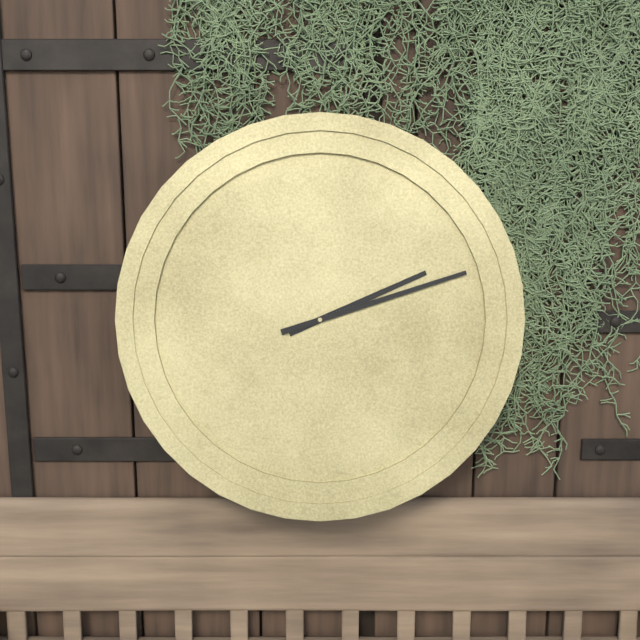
2 h 12 min
